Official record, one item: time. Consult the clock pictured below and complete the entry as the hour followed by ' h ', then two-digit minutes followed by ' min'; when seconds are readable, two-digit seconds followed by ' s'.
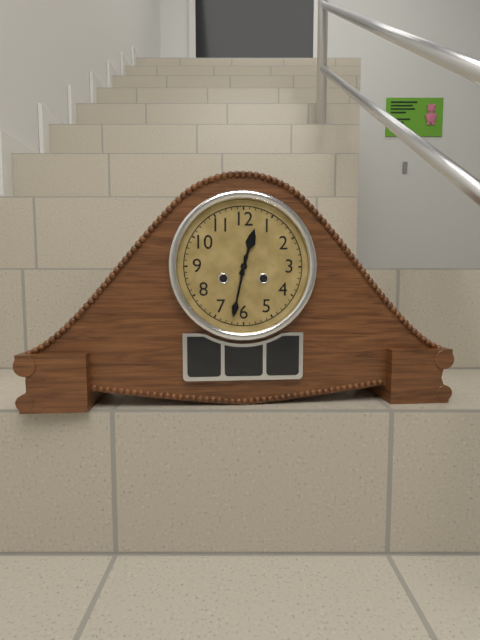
12 h 32 min
